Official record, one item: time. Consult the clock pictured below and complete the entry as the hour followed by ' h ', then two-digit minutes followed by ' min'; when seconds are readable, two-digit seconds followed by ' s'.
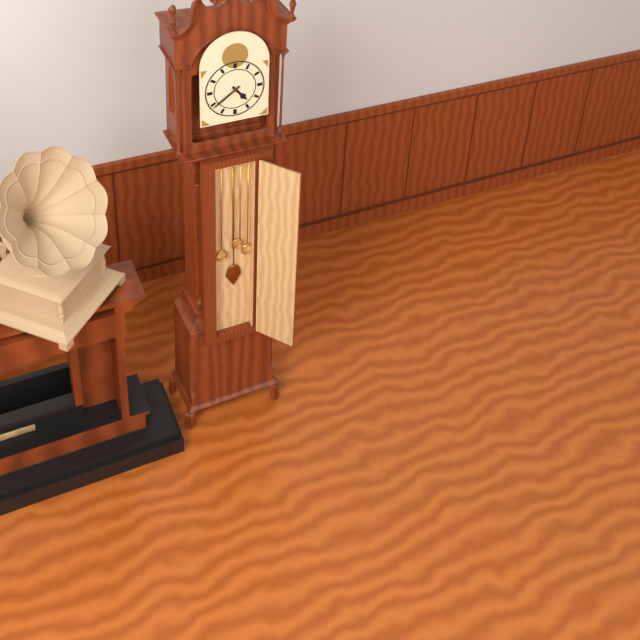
4 h 39 min
